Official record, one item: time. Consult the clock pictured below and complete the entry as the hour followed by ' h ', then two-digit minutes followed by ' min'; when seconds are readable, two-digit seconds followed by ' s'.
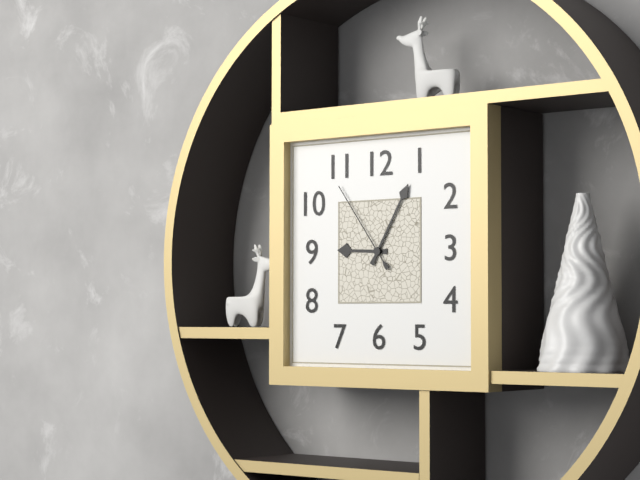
9 h 05 min 54 s
